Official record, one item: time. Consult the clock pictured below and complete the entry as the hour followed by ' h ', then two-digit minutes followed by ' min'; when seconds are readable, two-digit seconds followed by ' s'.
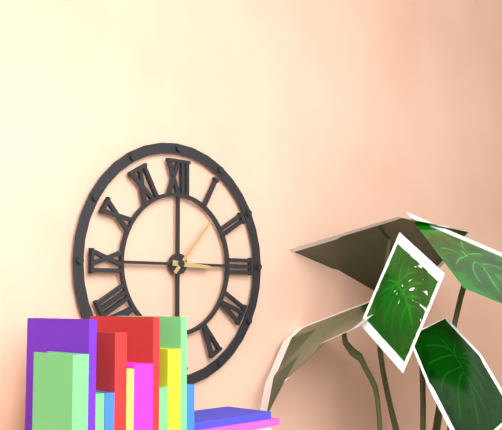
3 h 07 min
